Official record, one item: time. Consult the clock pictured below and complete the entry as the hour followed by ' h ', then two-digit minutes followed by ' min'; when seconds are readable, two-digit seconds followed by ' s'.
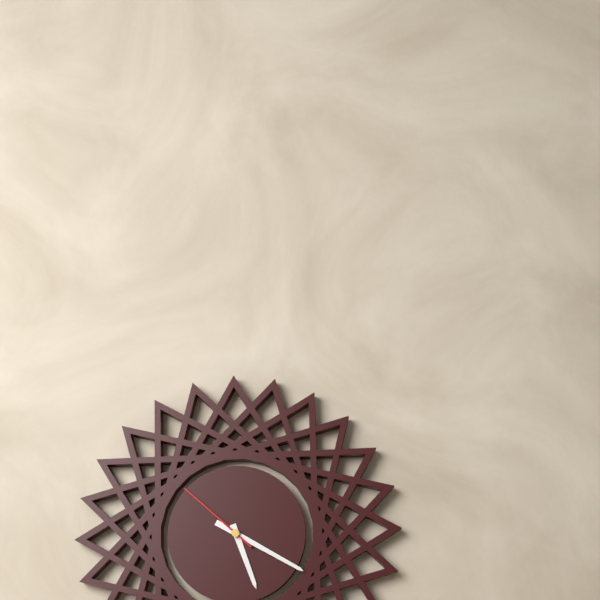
5 h 20 min 52 s
